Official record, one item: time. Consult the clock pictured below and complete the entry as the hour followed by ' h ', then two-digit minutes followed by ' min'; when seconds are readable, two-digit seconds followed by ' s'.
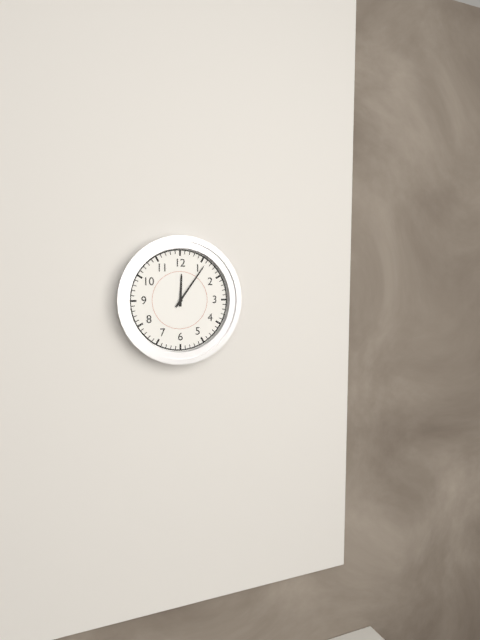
12 h 06 min
